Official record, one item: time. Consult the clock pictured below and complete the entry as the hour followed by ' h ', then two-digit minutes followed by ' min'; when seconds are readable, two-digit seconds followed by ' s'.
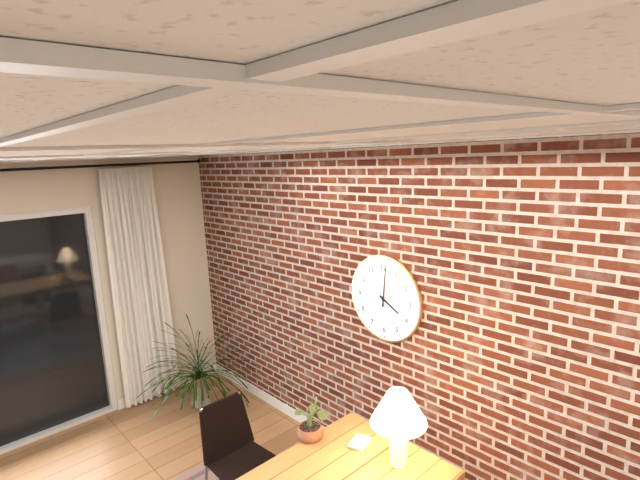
4 h 01 min
